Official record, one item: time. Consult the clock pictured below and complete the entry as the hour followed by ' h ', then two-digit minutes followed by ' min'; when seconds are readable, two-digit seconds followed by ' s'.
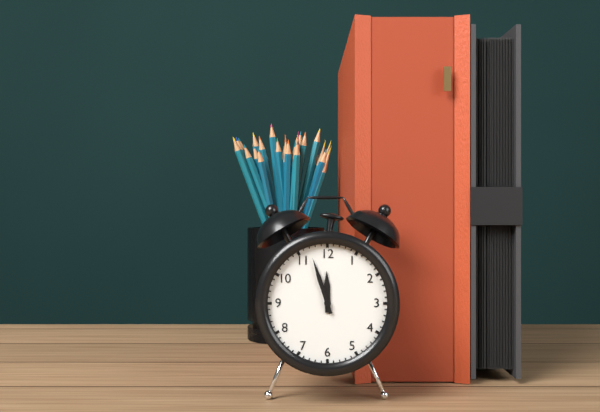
11 h 57 min
